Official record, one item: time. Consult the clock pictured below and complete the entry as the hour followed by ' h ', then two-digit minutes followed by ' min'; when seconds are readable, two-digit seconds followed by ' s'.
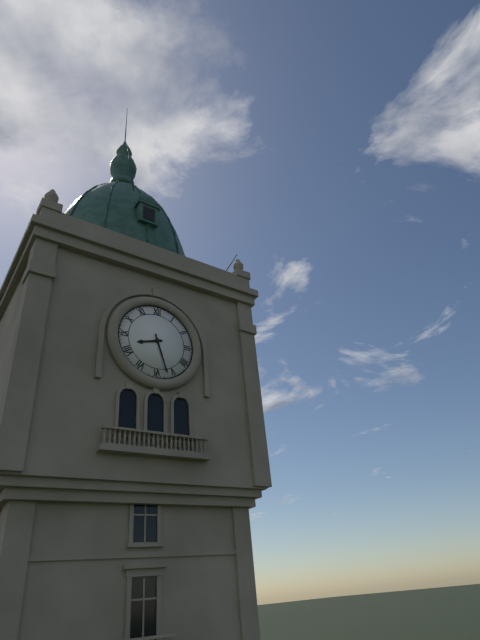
8 h 27 min
